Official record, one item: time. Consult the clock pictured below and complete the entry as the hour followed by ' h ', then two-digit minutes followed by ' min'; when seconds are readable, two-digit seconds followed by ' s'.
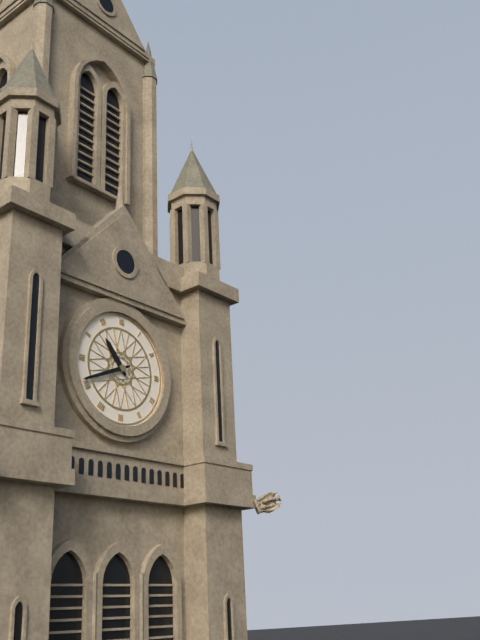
10 h 41 min
